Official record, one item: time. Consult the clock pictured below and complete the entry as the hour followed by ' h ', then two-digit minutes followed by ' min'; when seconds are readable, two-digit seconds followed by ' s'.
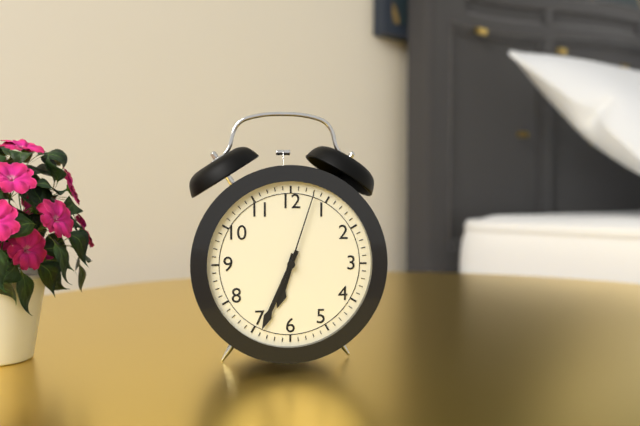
6 h 34 min 03 s
